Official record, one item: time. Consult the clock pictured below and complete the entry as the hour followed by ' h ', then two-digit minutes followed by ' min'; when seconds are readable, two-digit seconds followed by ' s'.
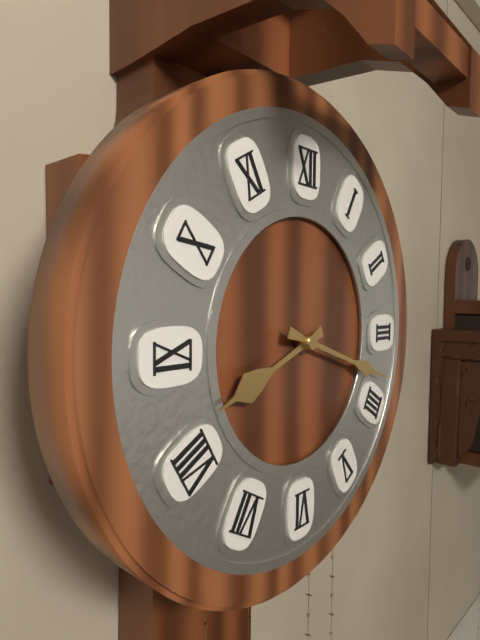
8 h 18 min
